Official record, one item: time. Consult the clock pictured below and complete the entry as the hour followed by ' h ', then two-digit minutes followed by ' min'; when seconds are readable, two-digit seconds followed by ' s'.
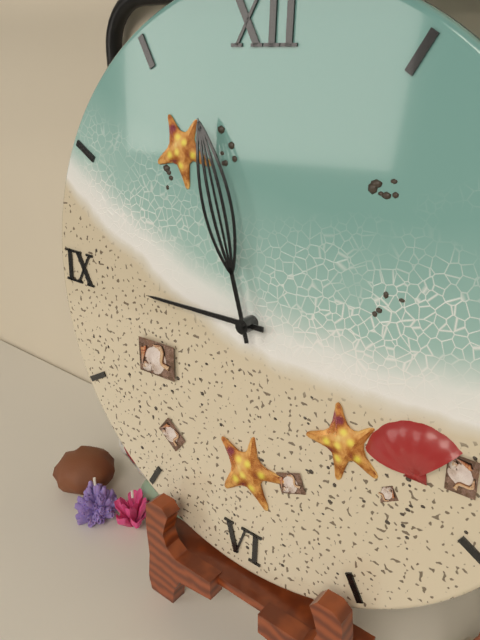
8 h 57 min
